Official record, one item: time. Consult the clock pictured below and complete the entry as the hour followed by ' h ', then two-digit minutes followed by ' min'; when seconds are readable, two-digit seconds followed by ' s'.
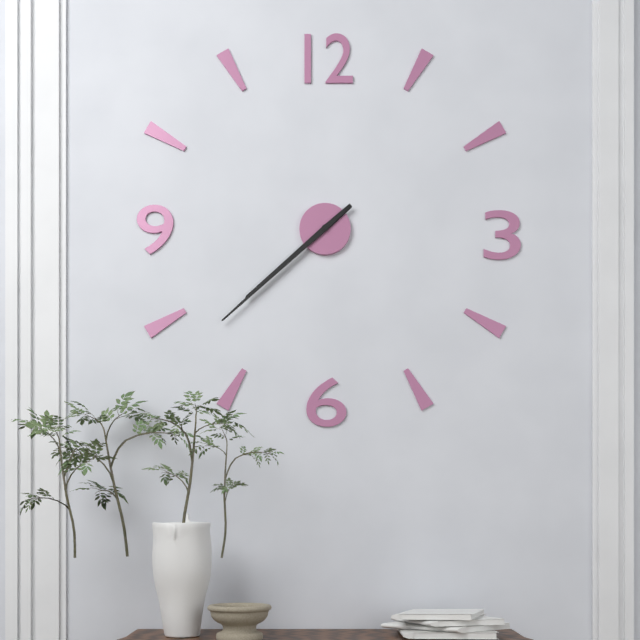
7 h 38 min
